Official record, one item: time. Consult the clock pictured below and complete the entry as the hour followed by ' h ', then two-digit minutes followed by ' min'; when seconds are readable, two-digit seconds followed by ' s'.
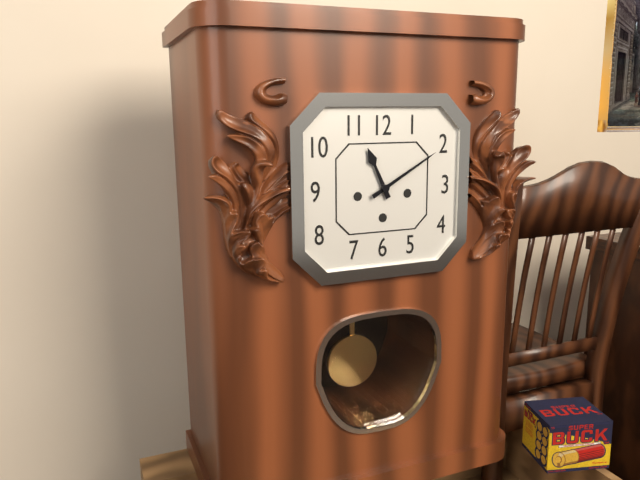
11 h 10 min
